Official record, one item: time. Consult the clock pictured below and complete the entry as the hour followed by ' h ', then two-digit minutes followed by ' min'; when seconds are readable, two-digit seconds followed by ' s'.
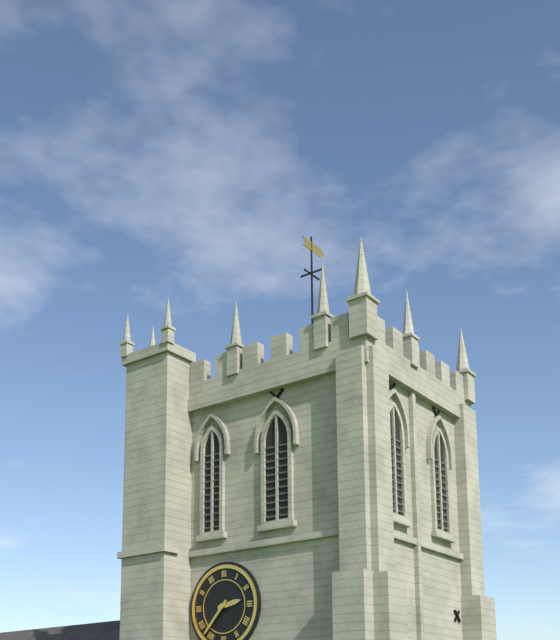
2 h 37 min
